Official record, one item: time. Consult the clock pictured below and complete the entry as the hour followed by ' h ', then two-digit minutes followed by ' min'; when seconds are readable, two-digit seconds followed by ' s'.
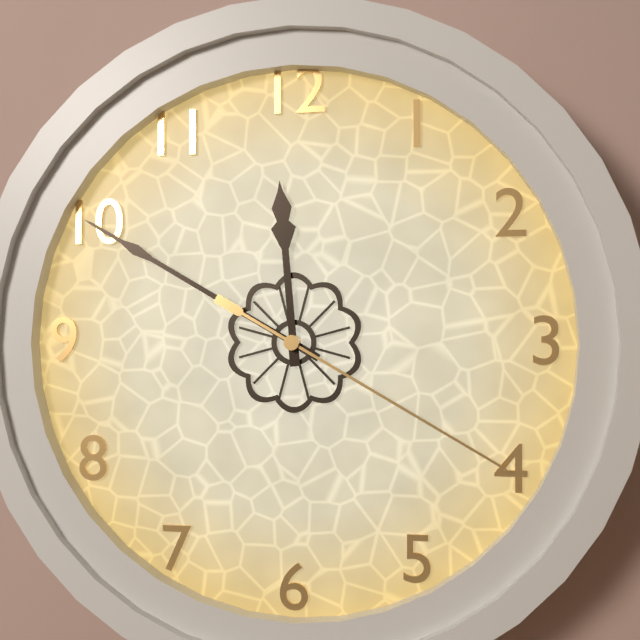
11 h 50 min 20 s
